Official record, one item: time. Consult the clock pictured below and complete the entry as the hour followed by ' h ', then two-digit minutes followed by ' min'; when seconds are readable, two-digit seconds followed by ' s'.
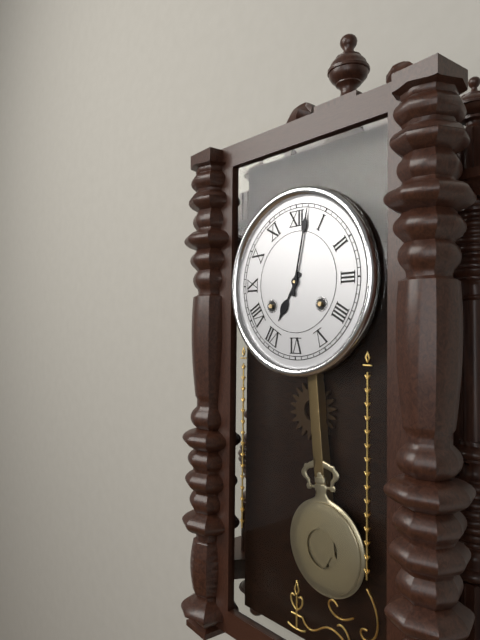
7 h 02 min
